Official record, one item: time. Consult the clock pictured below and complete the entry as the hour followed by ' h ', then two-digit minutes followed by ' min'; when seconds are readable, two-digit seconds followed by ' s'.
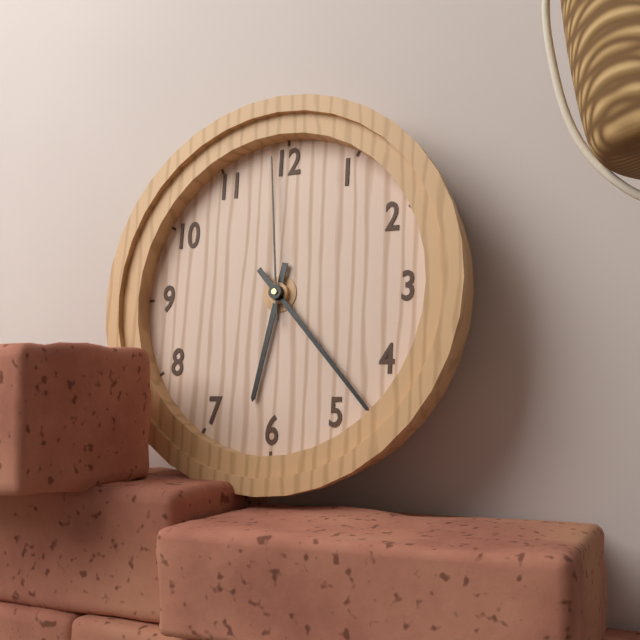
6 h 23 min 59 s
